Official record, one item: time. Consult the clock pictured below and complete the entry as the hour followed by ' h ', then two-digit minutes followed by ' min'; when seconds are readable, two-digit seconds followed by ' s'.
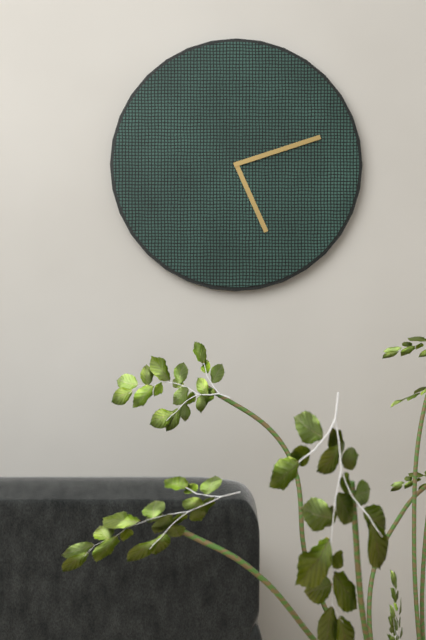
5 h 12 min
